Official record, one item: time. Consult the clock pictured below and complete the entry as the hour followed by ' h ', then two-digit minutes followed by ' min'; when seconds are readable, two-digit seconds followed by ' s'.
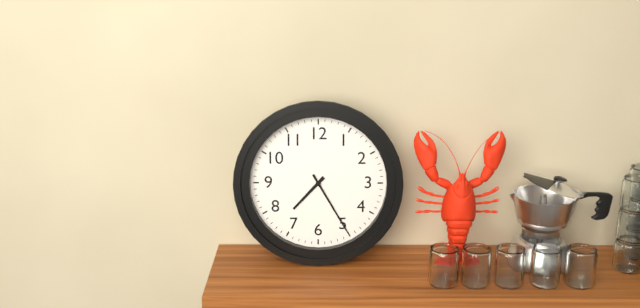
7 h 25 min
